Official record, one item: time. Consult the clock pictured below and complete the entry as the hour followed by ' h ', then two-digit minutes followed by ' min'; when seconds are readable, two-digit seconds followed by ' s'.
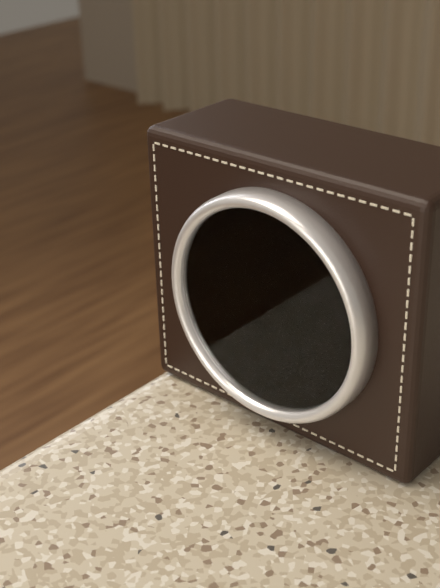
10 h 43 min
